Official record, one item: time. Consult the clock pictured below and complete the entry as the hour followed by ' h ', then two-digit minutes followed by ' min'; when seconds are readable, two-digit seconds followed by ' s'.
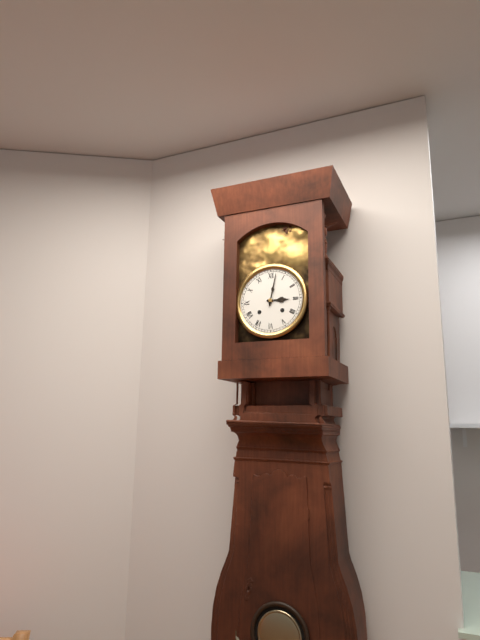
3 h 02 min
